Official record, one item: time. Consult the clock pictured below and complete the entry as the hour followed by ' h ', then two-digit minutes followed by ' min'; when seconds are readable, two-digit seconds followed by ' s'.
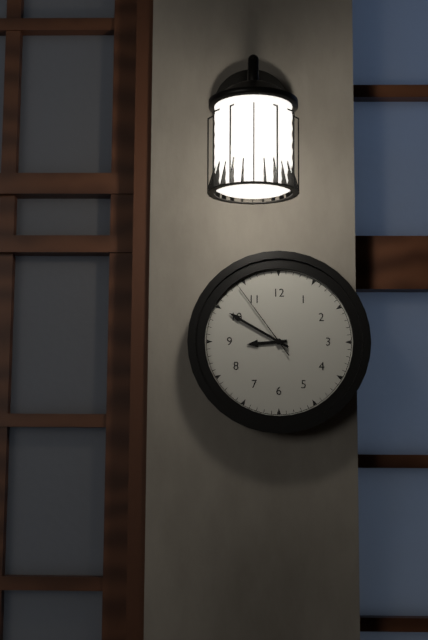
8 h 50 min 54 s
